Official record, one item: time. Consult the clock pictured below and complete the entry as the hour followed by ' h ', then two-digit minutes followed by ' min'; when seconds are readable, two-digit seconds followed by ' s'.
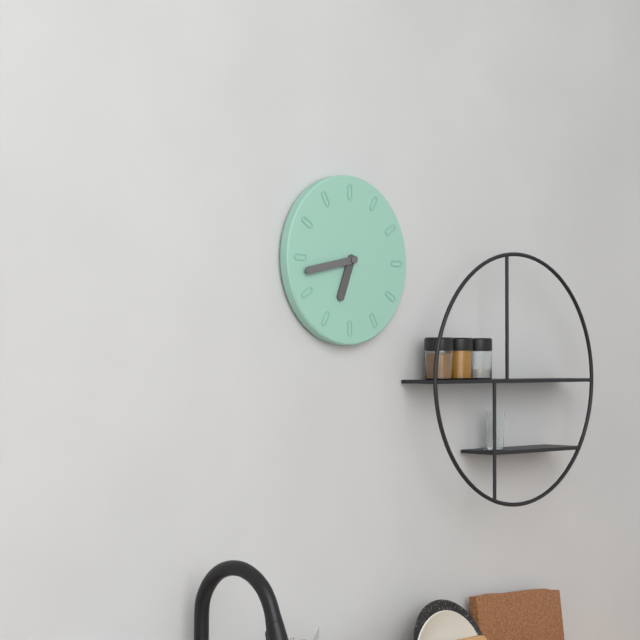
6 h 43 min
